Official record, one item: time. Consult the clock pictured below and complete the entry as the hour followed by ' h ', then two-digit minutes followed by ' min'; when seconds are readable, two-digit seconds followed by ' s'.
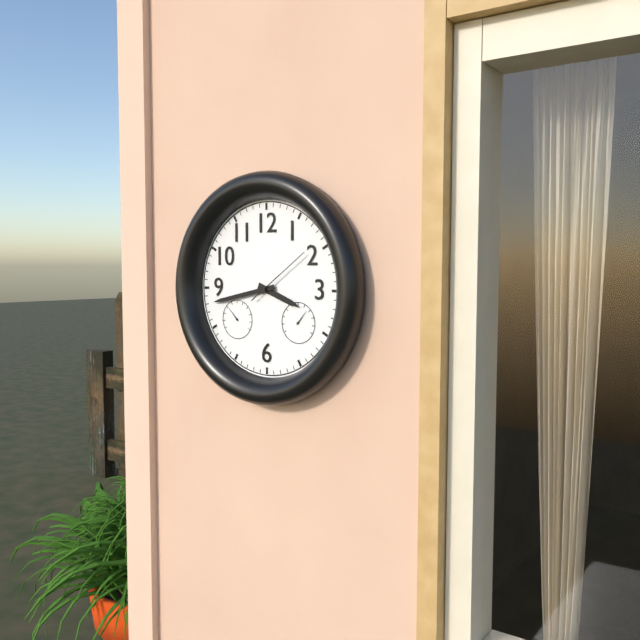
3 h 43 min 09 s
